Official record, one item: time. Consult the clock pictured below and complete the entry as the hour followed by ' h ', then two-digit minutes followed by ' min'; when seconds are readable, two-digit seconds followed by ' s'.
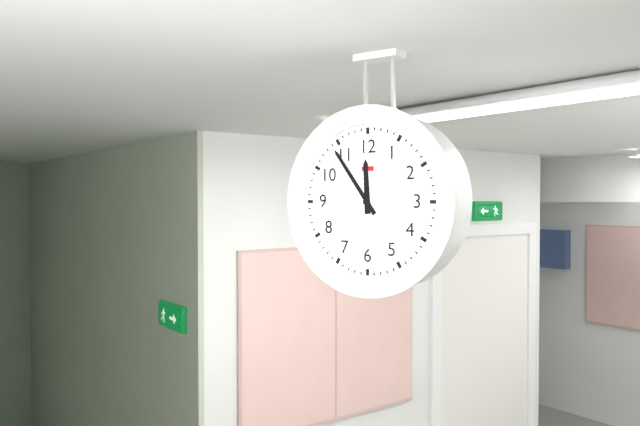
11 h 54 min
